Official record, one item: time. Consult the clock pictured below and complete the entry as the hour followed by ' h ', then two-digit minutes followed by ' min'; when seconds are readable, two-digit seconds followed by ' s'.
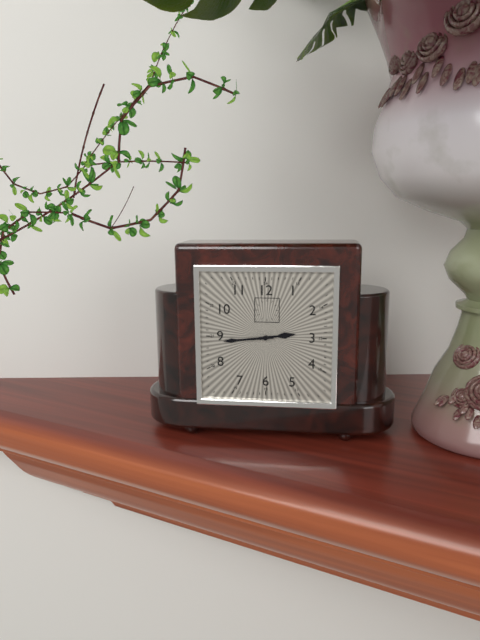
2 h 44 min
